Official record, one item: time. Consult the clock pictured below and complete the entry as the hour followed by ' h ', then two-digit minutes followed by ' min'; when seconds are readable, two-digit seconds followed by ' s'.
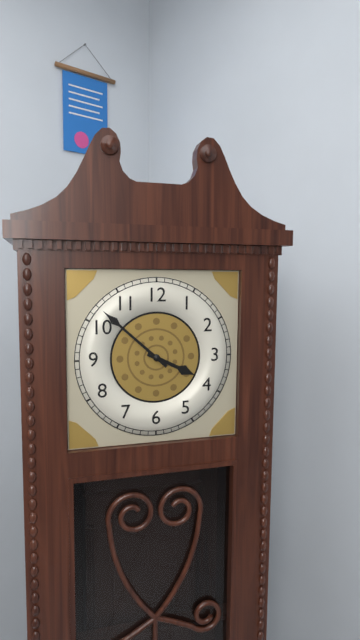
3 h 52 min
